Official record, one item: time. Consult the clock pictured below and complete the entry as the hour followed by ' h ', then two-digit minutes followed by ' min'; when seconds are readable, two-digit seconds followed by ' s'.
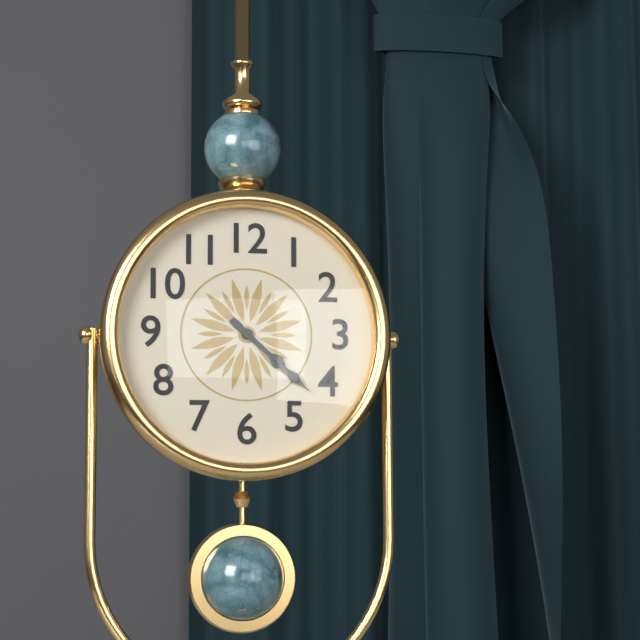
4 h 22 min
